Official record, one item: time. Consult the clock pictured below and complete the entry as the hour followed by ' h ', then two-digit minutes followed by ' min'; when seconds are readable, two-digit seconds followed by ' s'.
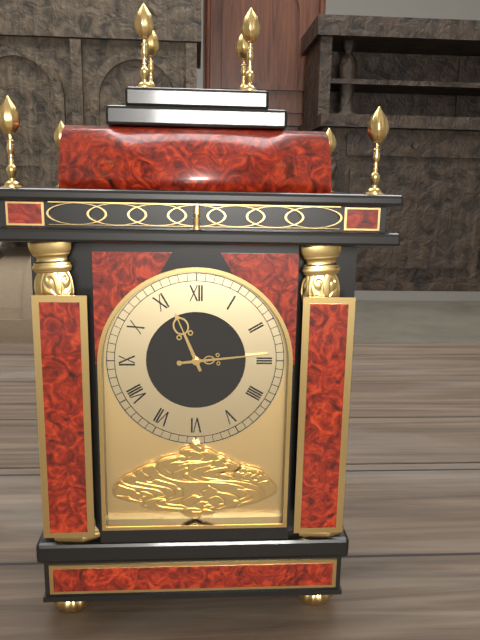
11 h 14 min
